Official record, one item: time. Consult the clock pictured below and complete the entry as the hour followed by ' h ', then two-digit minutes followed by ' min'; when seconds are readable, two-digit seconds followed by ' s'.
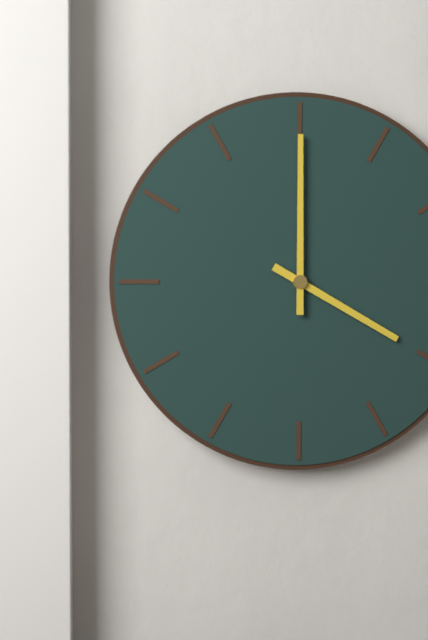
4 h 00 min
